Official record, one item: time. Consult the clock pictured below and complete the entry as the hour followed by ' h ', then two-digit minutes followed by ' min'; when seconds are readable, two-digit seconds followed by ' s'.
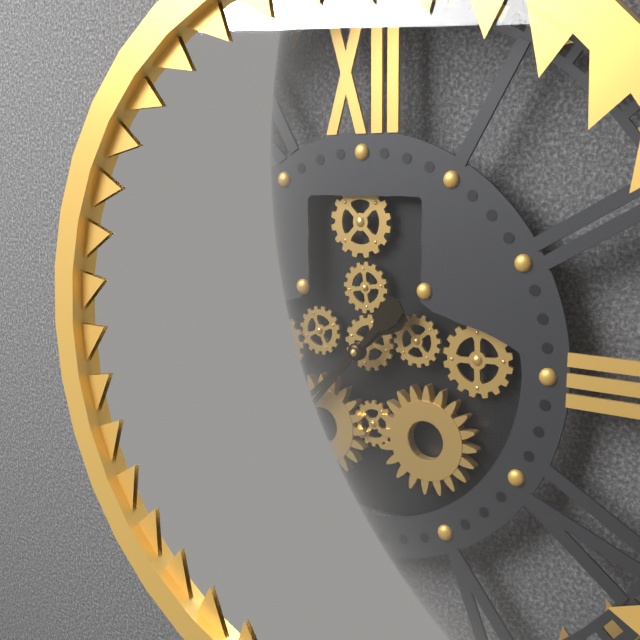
7 h 37 min
